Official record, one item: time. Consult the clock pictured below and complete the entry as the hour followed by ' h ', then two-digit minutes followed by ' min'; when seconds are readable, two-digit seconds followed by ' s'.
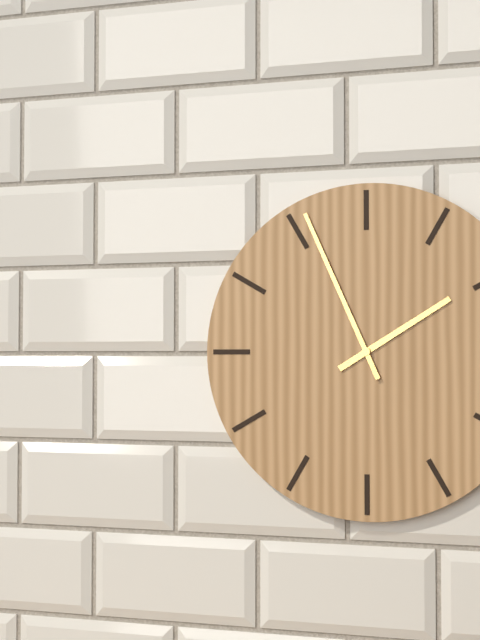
1 h 56 min
